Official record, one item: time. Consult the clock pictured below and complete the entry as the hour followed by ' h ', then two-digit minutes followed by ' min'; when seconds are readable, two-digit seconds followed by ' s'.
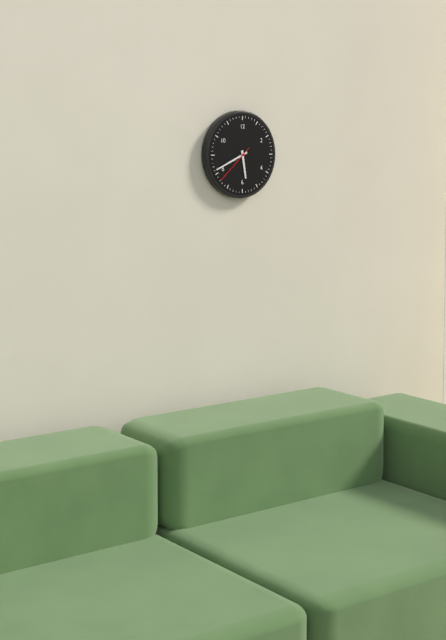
5 h 41 min
